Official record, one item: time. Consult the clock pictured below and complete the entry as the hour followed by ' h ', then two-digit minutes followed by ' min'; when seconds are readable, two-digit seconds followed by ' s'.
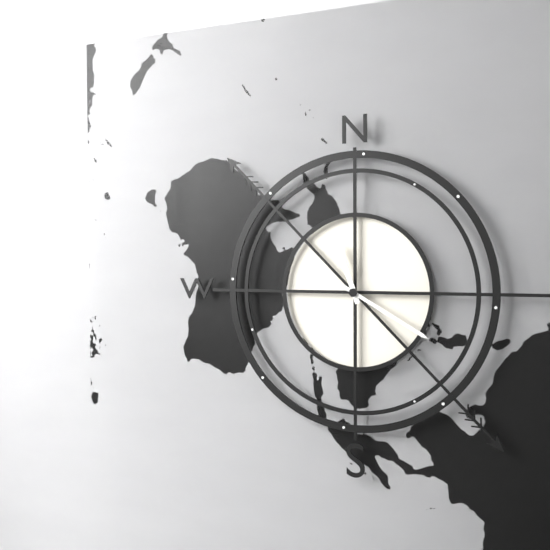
11 h 20 min
